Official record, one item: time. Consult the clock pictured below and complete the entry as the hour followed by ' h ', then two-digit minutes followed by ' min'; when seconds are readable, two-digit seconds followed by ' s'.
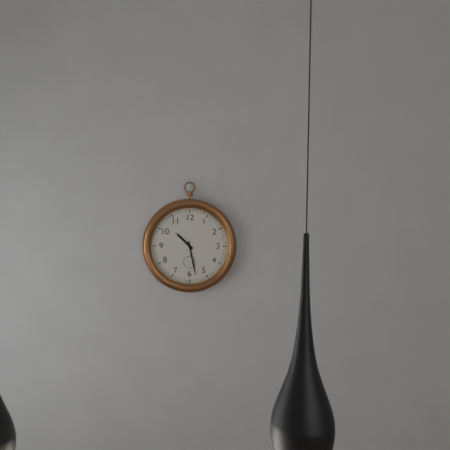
10 h 28 min
